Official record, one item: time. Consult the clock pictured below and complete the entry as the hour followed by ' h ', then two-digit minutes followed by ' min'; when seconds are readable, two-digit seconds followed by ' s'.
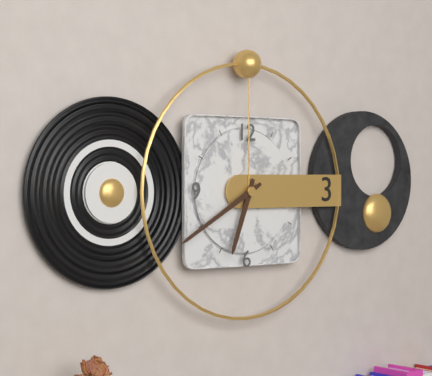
6 h 40 min
